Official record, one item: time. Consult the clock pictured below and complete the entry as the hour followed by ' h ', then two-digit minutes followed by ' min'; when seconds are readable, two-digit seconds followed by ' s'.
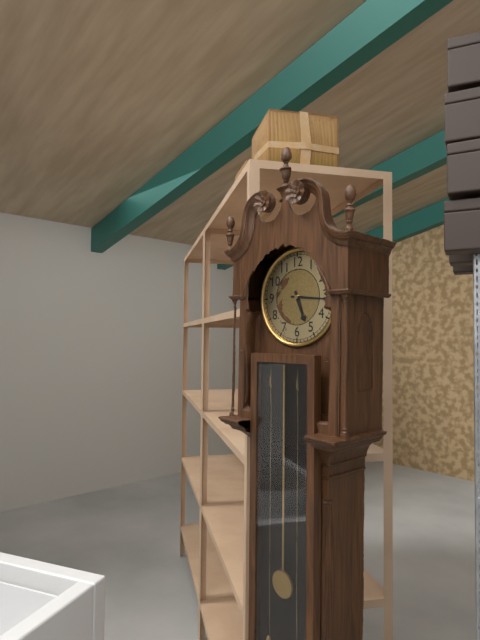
5 h 16 min
